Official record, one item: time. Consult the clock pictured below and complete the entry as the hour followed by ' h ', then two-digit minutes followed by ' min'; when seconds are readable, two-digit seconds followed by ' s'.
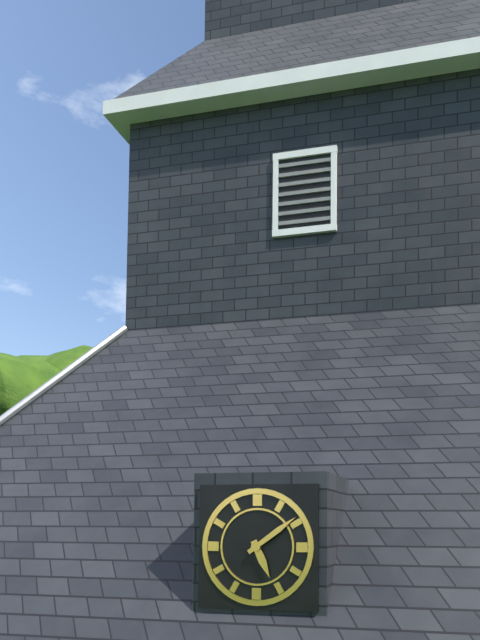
5 h 09 min
